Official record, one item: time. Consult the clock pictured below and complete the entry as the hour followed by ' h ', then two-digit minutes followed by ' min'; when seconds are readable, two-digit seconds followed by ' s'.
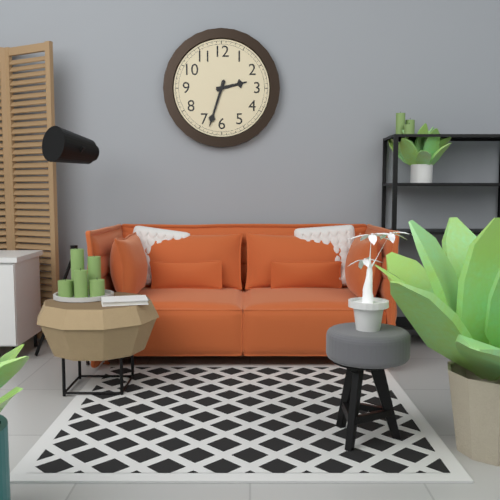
2 h 33 min
